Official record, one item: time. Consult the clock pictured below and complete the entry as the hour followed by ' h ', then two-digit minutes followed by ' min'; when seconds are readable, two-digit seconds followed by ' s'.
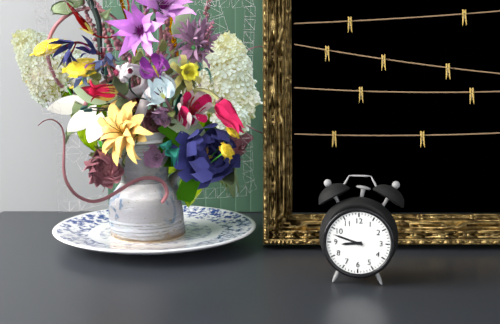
8 h 48 min
